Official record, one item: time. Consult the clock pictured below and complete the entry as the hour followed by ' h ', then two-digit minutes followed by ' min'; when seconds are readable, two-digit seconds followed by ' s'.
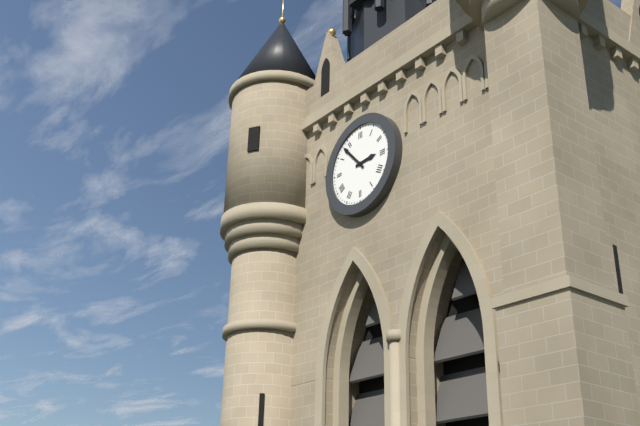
2 h 53 min
